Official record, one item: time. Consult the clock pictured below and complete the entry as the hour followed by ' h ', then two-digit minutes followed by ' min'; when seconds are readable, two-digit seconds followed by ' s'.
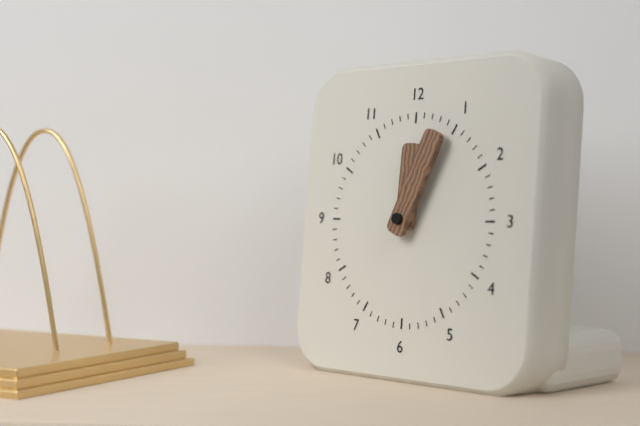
12 h 04 min
